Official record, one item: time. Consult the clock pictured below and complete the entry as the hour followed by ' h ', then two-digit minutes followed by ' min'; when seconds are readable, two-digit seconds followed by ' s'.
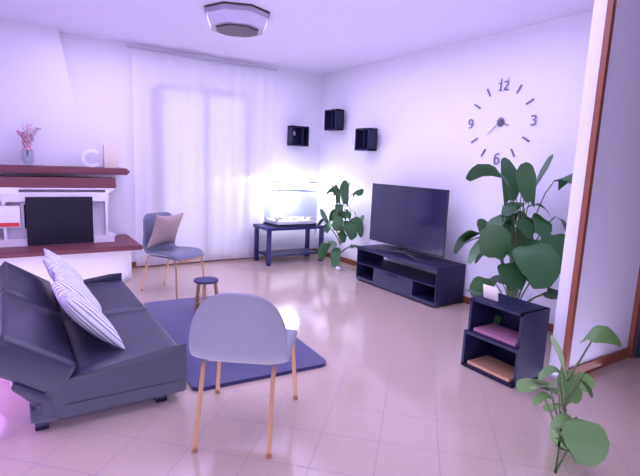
3 h 38 min
